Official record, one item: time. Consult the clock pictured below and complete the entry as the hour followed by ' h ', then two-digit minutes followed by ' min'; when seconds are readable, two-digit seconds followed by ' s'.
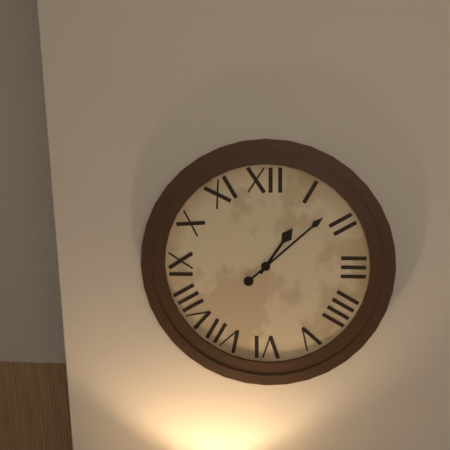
1 h 08 min
